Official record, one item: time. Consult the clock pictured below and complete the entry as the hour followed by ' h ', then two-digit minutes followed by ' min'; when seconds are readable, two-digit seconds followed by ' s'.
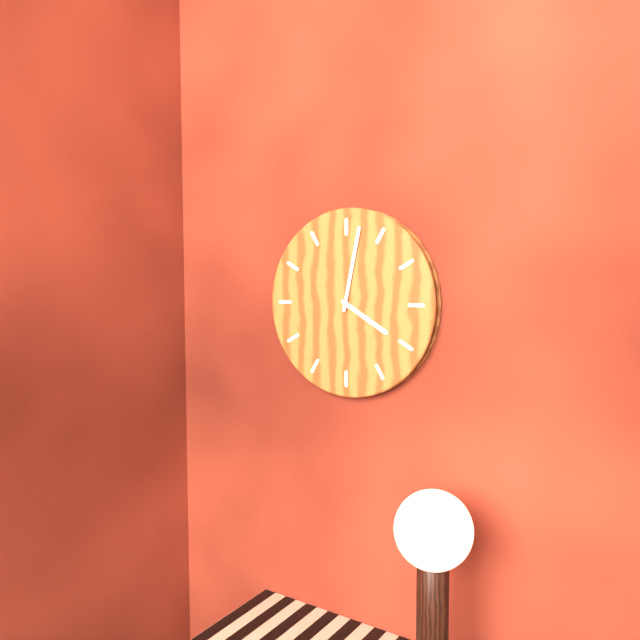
4 h 02 min
